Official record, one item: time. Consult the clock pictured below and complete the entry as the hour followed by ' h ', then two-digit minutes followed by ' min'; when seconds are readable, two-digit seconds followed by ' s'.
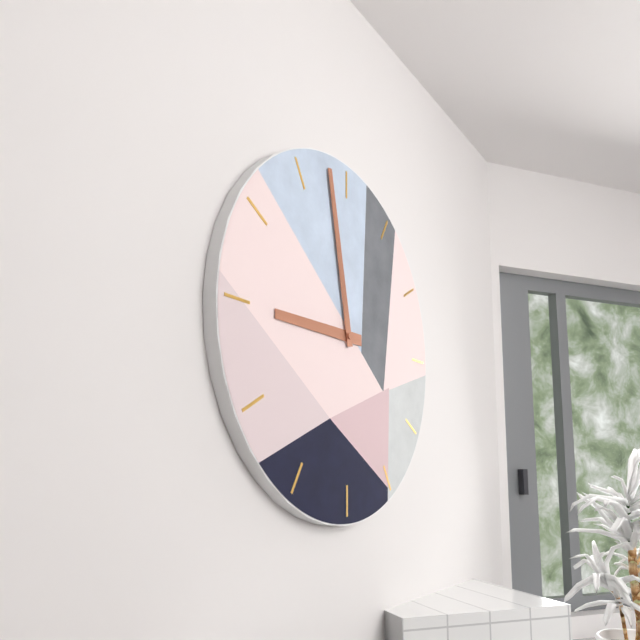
8 h 58 min
